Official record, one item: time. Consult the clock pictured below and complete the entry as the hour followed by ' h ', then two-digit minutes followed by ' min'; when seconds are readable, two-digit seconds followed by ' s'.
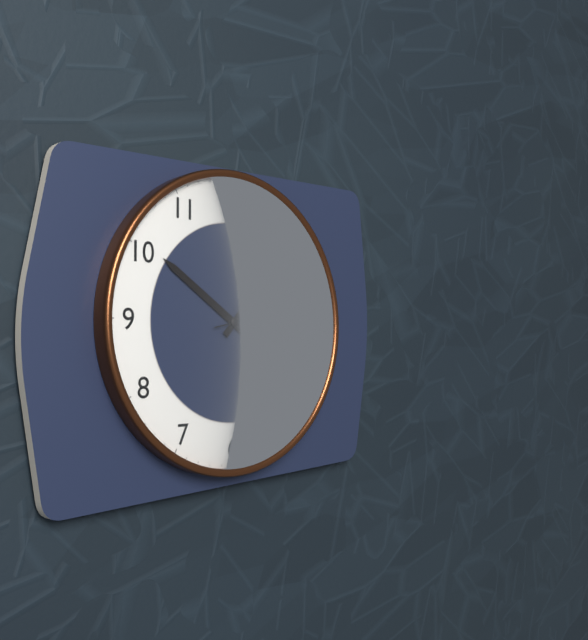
10 h 07 min 13 s
